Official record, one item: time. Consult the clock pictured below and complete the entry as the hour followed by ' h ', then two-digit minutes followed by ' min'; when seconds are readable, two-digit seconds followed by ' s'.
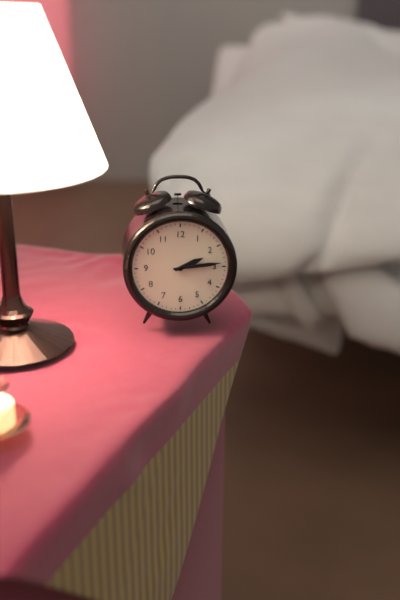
2 h 14 min
